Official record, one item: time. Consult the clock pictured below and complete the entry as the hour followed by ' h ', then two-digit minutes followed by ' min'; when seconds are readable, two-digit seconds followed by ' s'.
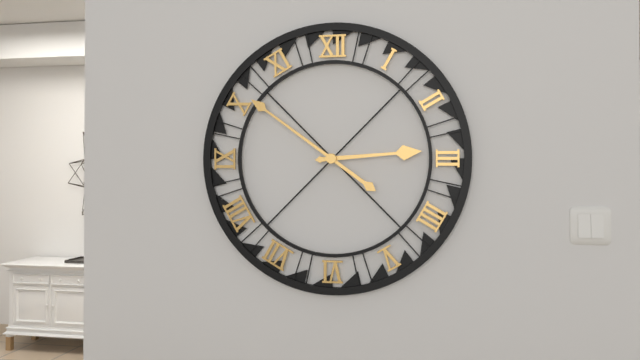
2 h 51 min
